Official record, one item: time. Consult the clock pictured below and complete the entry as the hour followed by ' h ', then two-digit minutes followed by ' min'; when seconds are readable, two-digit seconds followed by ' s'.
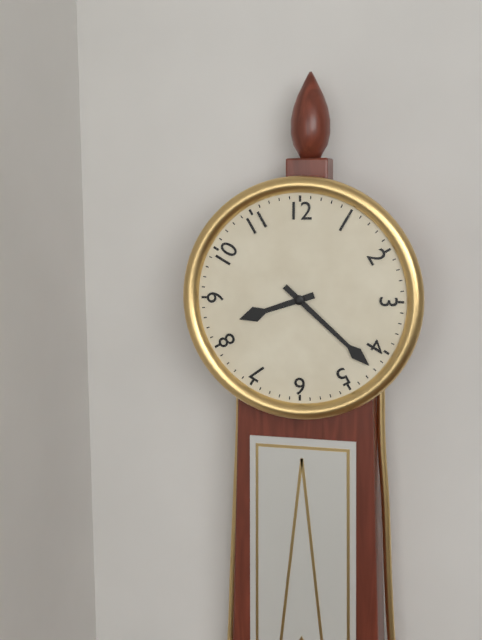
8 h 22 min
